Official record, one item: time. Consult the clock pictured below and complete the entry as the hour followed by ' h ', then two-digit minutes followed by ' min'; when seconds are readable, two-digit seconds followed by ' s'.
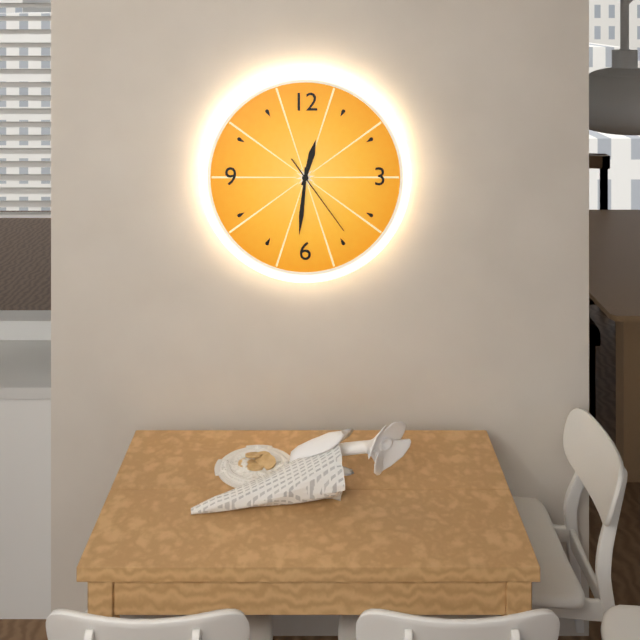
12 h 31 min 24 s
